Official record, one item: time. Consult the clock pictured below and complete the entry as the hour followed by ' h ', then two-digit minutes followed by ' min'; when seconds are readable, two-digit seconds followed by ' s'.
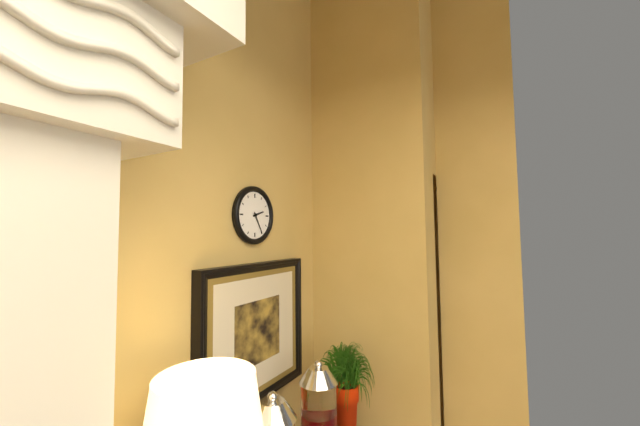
2 h 25 min
